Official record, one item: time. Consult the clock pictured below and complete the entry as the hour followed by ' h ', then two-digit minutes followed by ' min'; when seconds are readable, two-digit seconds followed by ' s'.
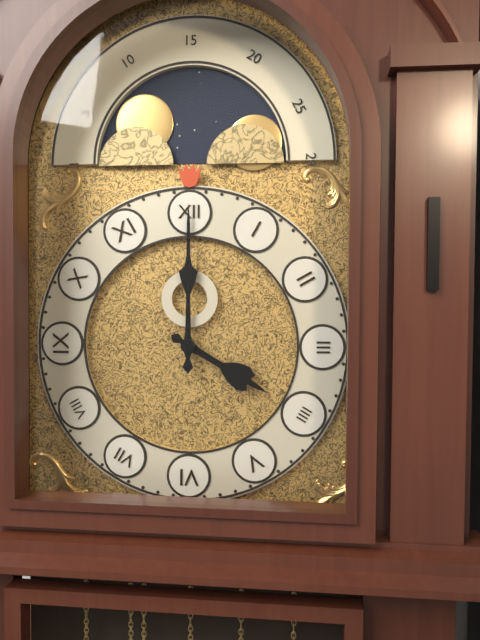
4 h 00 min
